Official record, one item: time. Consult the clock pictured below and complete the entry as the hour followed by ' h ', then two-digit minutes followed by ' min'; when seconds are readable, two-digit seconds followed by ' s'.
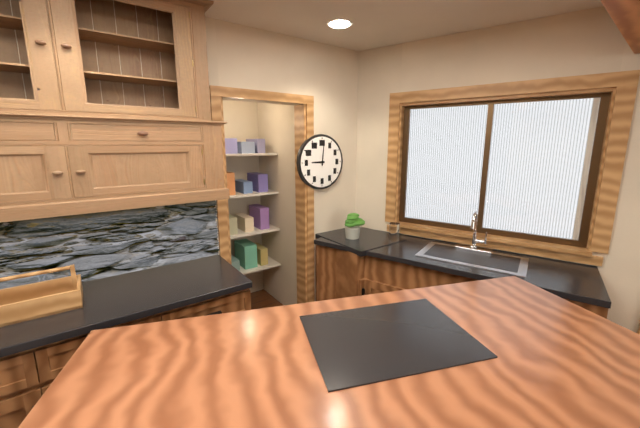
9 h 01 min
